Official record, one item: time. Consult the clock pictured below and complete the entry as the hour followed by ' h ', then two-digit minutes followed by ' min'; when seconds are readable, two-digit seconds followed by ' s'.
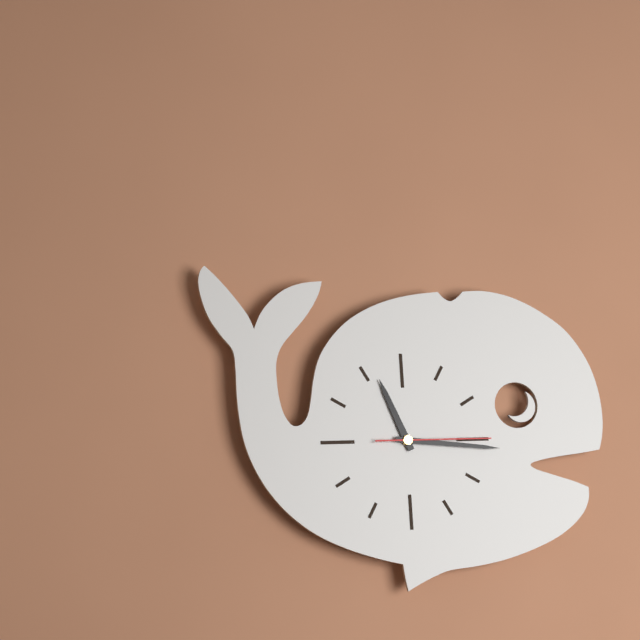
11 h 16 min 15 s
